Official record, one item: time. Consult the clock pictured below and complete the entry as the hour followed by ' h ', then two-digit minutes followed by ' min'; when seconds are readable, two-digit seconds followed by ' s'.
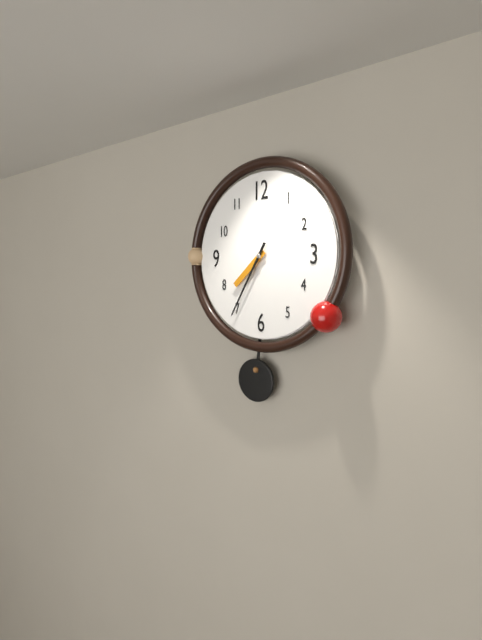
7 h 35 min
